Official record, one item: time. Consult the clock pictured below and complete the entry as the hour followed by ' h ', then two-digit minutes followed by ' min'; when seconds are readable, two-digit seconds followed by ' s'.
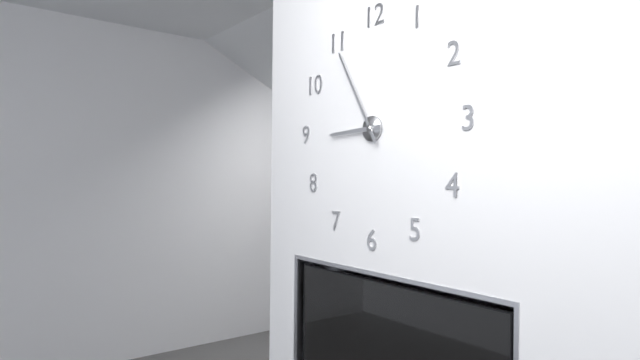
8 h 55 min
